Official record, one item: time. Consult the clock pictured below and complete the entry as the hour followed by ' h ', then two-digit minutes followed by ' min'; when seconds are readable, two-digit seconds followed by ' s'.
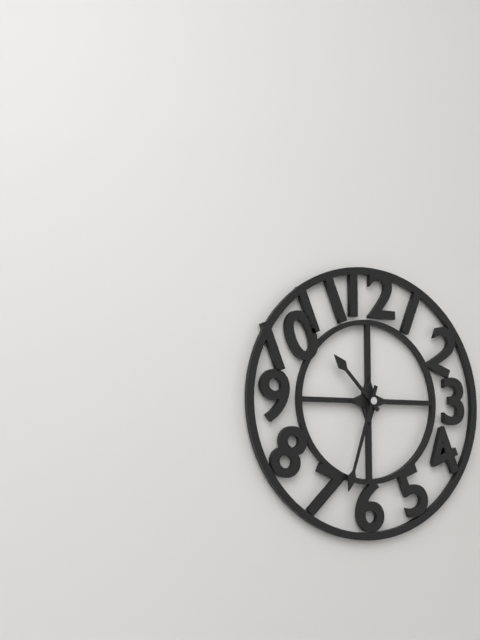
10 h 33 min
